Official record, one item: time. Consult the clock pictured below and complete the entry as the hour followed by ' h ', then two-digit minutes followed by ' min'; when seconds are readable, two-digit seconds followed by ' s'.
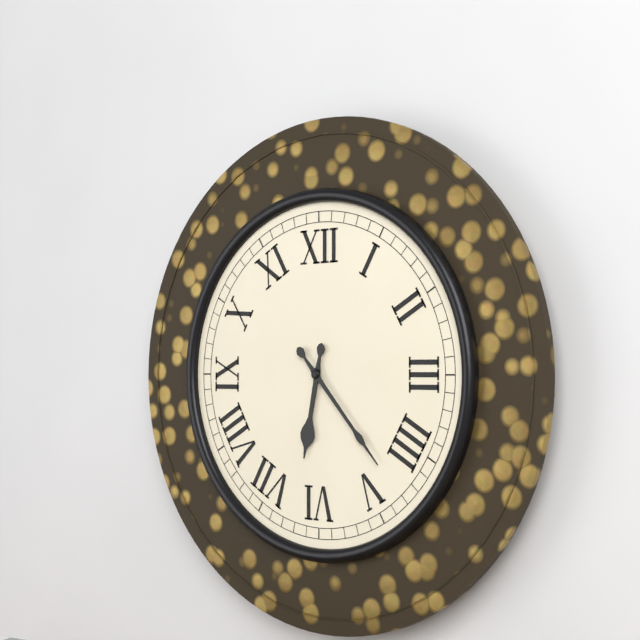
6 h 23 min
